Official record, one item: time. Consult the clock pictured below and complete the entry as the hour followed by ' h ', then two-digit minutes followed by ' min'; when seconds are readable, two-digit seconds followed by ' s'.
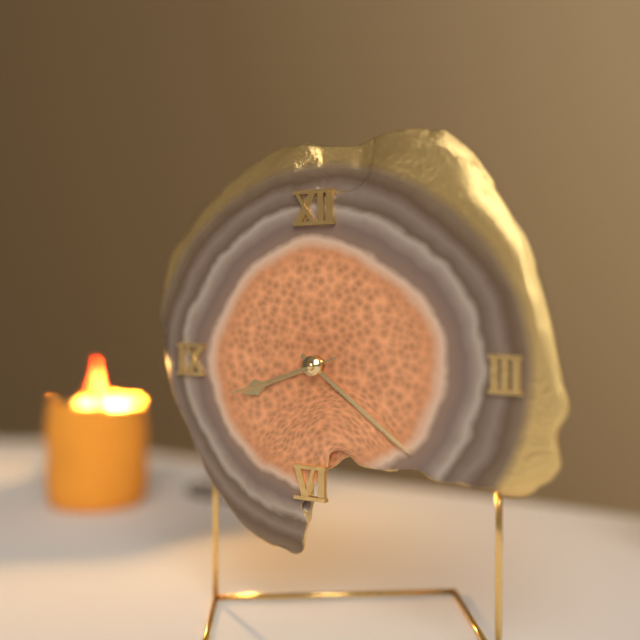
8 h 21 min 42 s
